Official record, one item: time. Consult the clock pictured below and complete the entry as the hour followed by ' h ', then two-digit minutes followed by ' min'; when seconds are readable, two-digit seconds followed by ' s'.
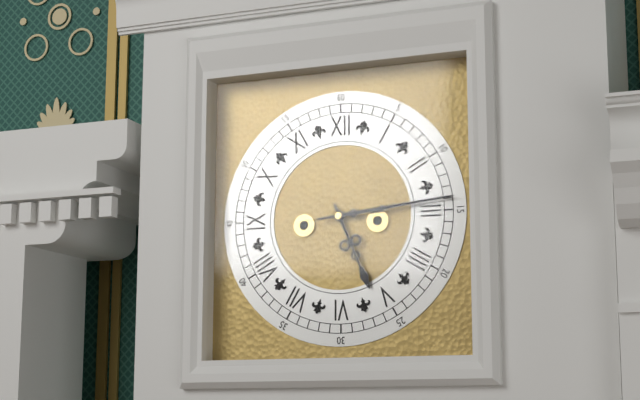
5 h 14 min
